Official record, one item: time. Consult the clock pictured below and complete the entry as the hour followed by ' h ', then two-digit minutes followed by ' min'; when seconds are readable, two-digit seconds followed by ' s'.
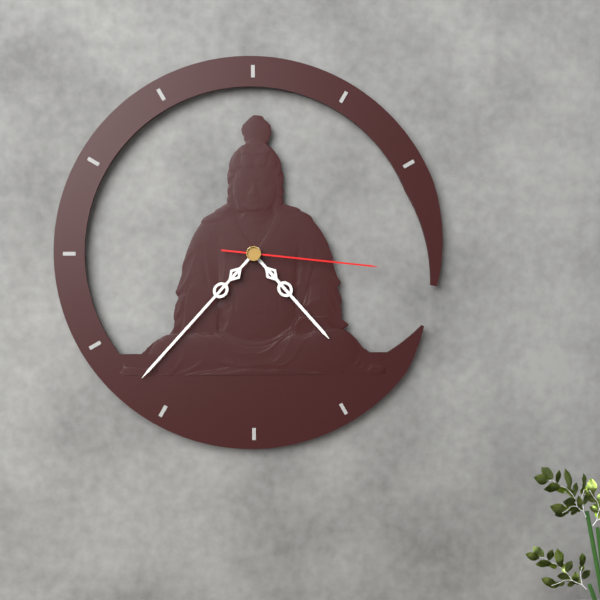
4 h 37 min 16 s
